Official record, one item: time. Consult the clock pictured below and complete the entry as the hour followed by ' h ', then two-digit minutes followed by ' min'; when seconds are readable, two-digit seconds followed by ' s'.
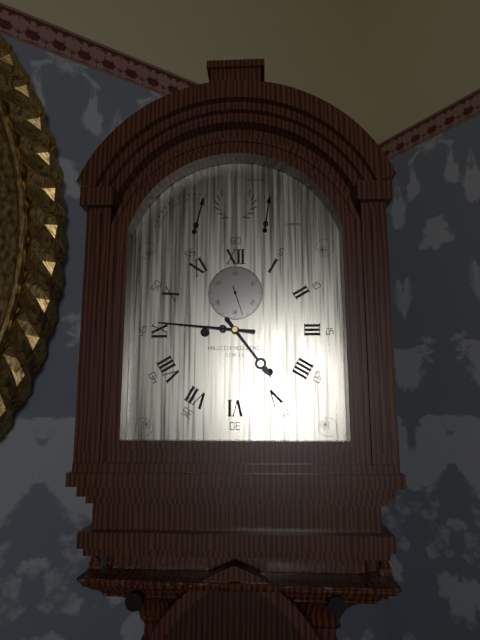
4 h 46 min
